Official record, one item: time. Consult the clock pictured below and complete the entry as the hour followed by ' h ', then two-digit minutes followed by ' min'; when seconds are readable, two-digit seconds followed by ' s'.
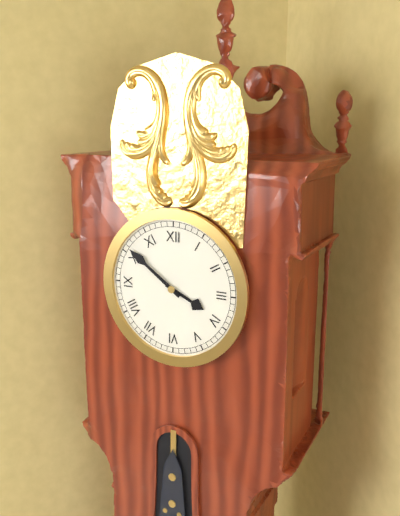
3 h 51 min
